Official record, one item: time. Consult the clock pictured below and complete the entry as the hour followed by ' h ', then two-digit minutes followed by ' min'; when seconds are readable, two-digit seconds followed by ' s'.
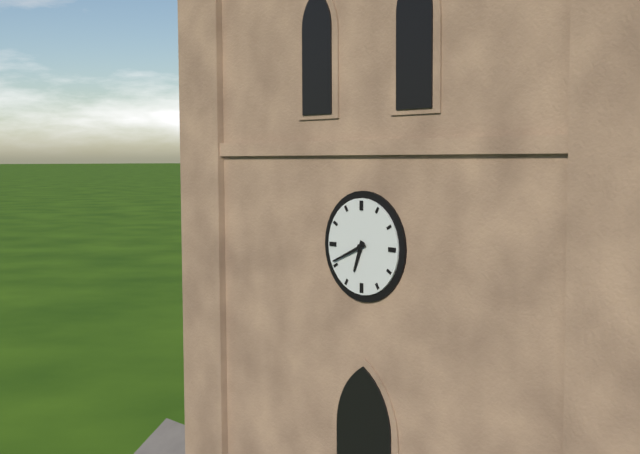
6 h 41 min
